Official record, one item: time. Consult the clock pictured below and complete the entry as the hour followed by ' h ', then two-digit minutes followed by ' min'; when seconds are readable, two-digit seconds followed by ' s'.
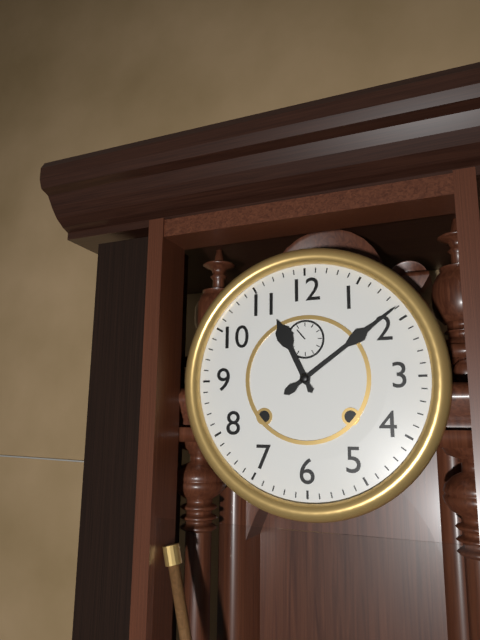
11 h 09 min
